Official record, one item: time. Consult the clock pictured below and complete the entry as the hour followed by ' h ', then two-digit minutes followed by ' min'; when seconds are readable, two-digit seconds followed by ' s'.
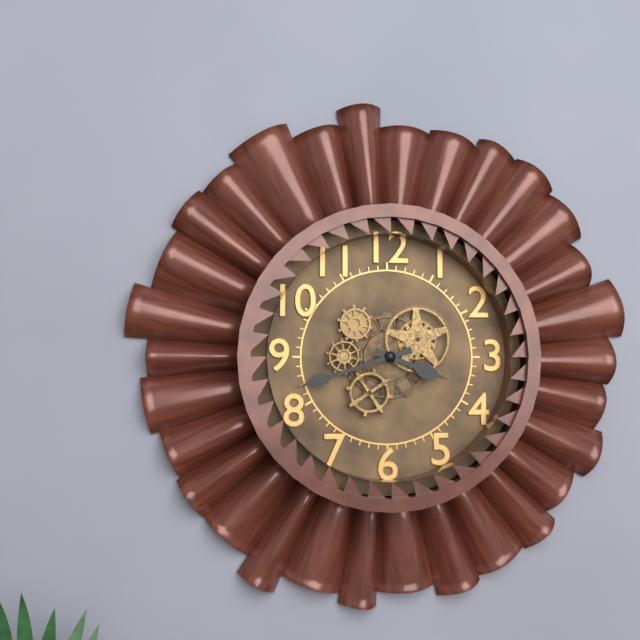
3 h 42 min
